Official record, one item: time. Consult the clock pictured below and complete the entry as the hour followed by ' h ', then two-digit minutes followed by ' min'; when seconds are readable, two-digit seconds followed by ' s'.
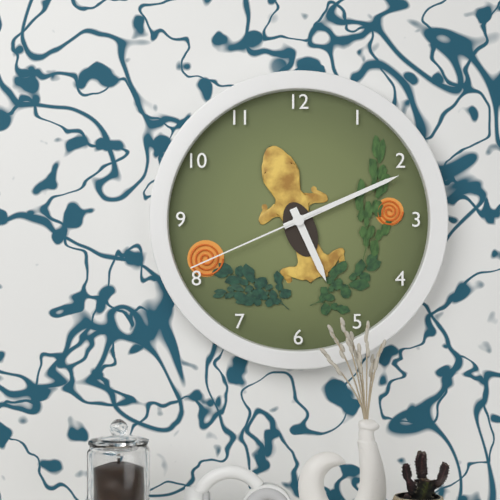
5 h 11 min 41 s
